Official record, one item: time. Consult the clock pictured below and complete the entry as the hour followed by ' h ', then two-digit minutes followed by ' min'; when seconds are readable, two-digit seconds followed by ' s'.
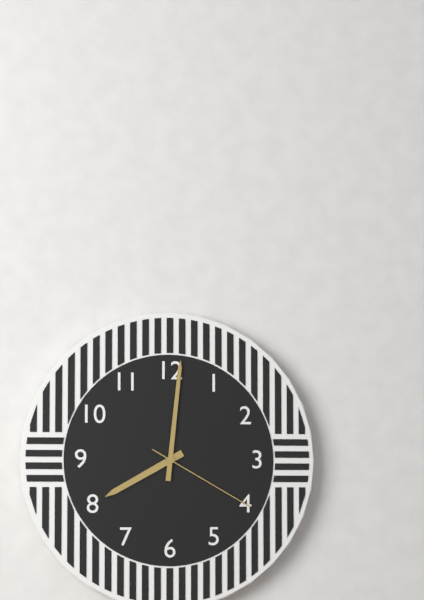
8 h 01 min 20 s
